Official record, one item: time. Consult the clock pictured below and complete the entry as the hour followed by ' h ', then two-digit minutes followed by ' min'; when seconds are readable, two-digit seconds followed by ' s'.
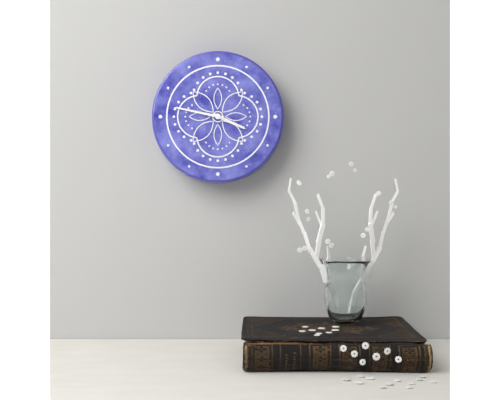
3 h 47 min
